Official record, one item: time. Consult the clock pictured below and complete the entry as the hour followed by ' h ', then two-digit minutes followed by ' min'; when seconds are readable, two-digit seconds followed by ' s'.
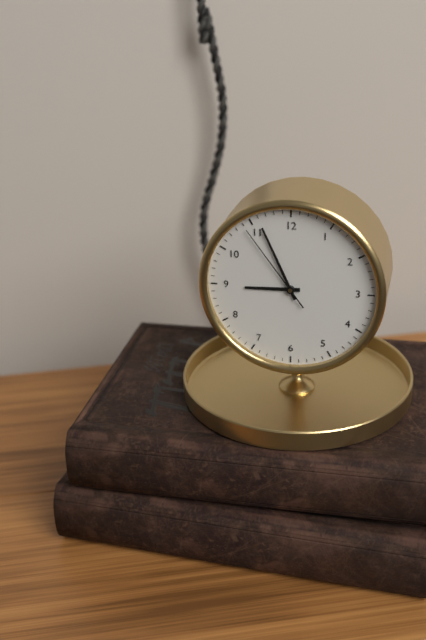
8 h 56 min 54 s
